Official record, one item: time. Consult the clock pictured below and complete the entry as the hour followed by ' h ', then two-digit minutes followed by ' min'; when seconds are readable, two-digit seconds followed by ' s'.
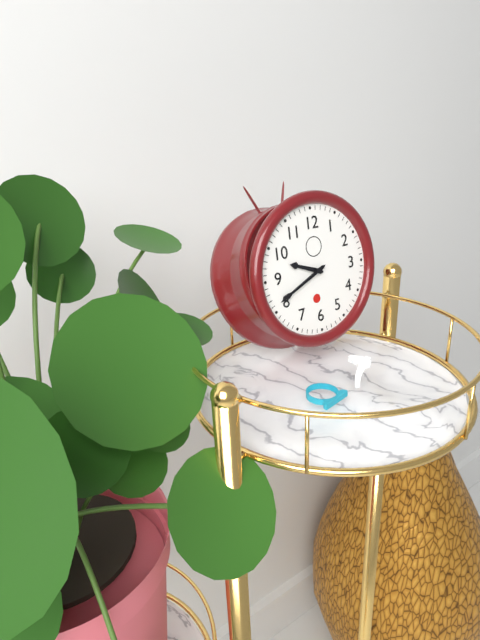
9 h 41 min
